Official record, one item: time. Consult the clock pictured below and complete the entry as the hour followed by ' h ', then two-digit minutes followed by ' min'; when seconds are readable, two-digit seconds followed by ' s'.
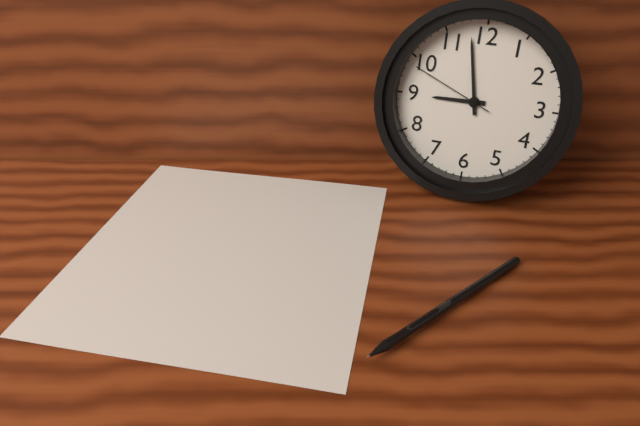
8 h 58 min 49 s
